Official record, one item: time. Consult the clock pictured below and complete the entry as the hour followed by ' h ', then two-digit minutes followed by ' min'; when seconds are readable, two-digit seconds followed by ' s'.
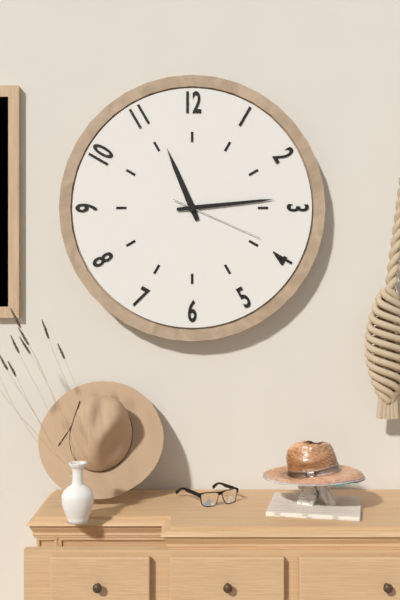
11 h 14 min 19 s
